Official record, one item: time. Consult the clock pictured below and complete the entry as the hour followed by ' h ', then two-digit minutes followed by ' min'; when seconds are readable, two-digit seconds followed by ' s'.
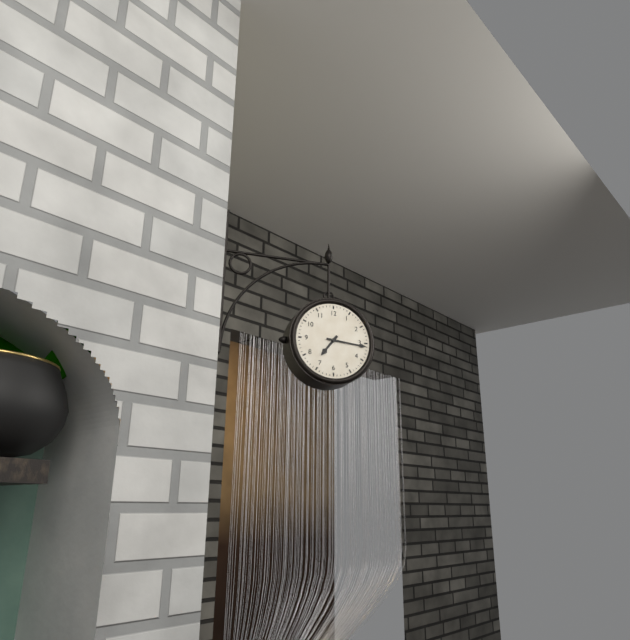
7 h 16 min
